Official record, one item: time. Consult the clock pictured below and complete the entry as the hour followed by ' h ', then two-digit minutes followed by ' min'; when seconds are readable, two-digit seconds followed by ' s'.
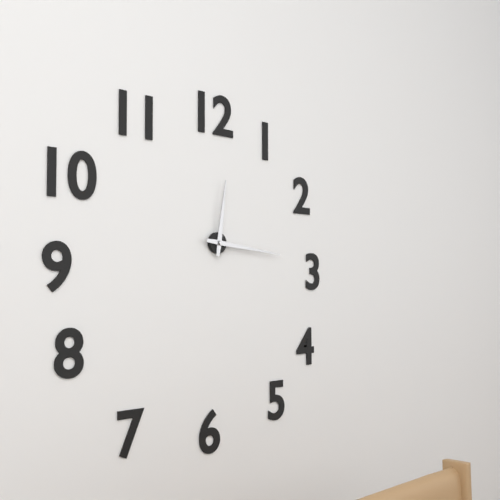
12 h 16 min
